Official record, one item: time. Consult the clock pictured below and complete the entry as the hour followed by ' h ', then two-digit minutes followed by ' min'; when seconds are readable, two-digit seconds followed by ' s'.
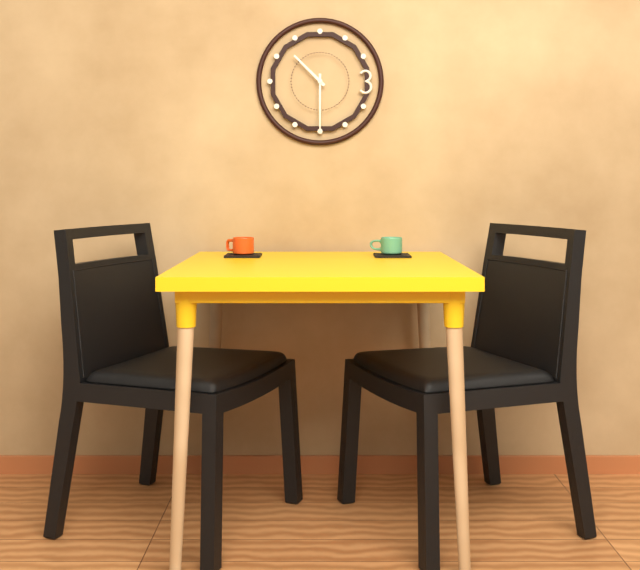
10 h 30 min
